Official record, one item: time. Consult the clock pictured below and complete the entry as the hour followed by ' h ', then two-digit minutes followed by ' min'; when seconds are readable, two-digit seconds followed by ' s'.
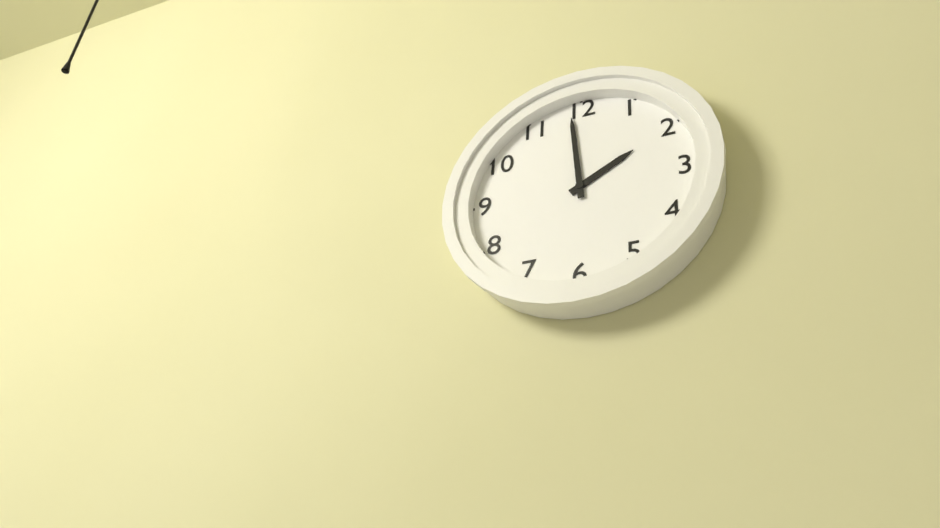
1 h 59 min
